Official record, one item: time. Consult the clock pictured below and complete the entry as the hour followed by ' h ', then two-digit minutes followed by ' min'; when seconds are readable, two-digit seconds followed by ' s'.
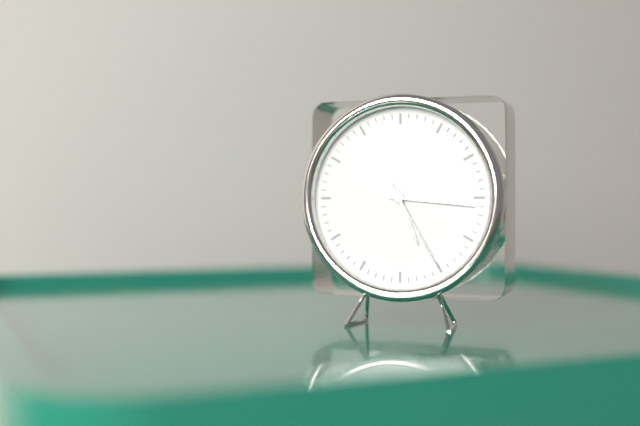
5 h 16 min 25 s
